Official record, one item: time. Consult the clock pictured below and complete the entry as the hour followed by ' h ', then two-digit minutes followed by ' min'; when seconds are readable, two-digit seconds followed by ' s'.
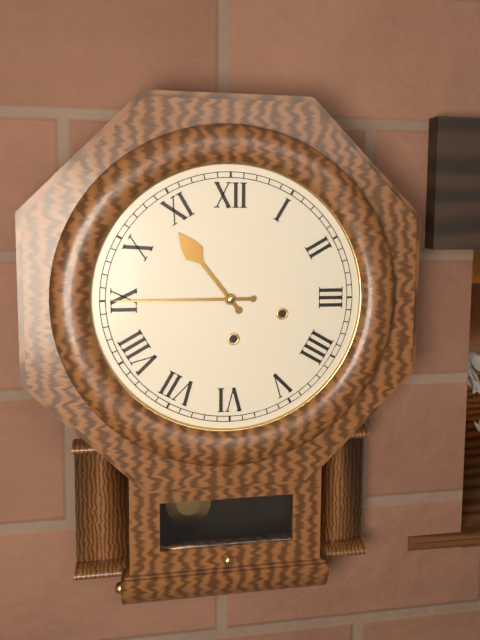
10 h 45 min
